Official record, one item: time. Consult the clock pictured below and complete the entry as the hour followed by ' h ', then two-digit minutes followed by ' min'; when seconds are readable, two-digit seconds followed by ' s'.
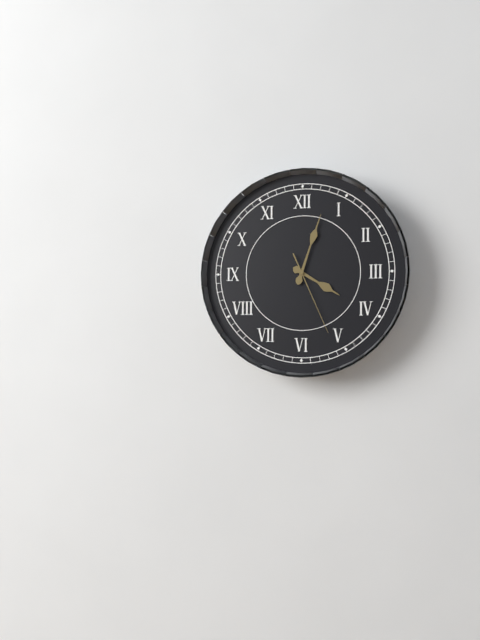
4 h 03 min 26 s
